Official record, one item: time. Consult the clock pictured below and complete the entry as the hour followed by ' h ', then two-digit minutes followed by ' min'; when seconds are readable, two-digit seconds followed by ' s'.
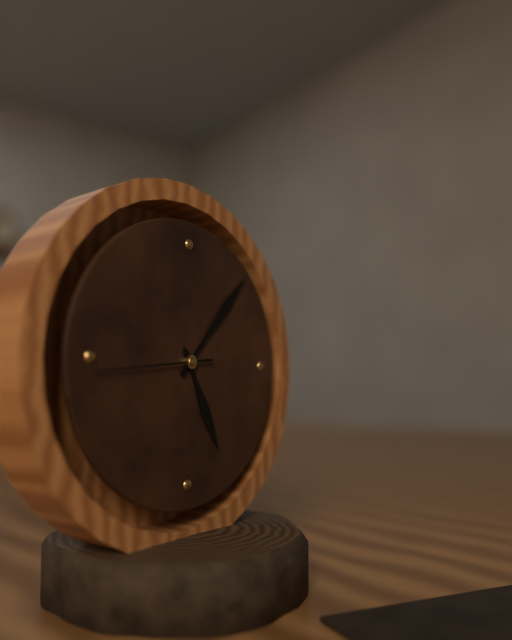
5 h 07 min 44 s
